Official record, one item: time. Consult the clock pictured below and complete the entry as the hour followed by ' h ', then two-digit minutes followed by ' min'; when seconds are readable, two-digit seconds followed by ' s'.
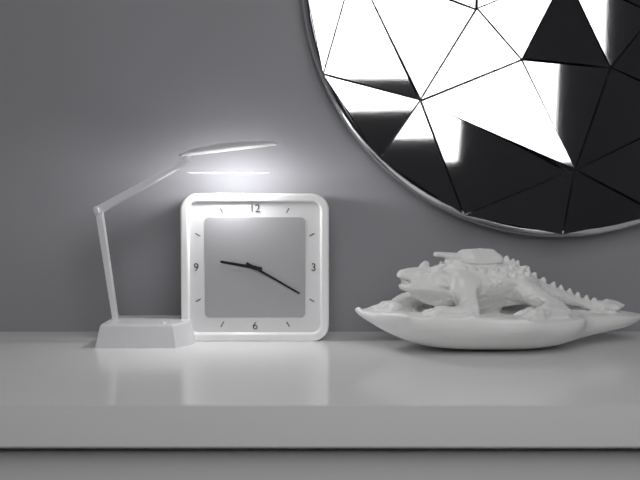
9 h 20 min
